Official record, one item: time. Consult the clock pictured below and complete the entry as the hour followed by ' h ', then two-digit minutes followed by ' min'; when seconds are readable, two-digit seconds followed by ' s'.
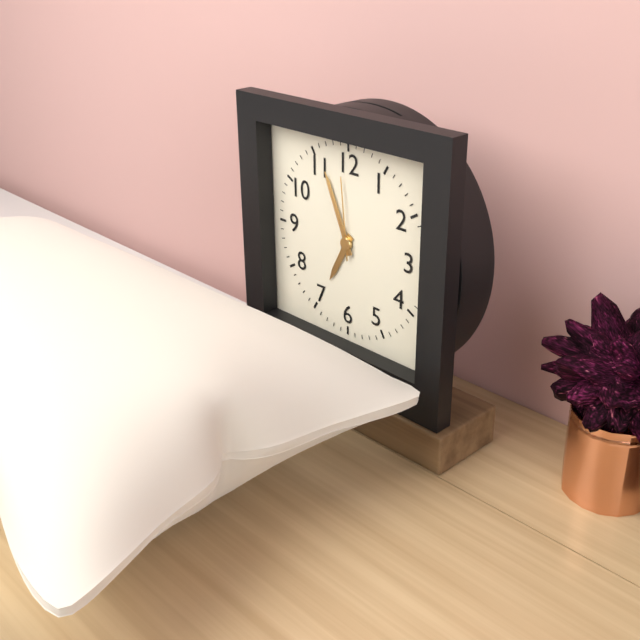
6 h 56 min 59 s
